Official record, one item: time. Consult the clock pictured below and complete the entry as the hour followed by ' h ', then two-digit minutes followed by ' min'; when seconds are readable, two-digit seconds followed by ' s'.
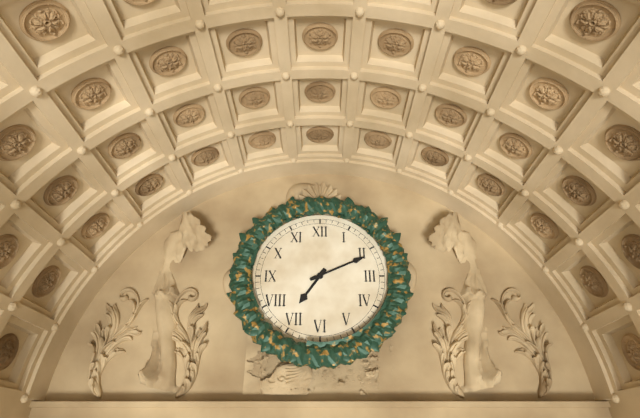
7 h 11 min
